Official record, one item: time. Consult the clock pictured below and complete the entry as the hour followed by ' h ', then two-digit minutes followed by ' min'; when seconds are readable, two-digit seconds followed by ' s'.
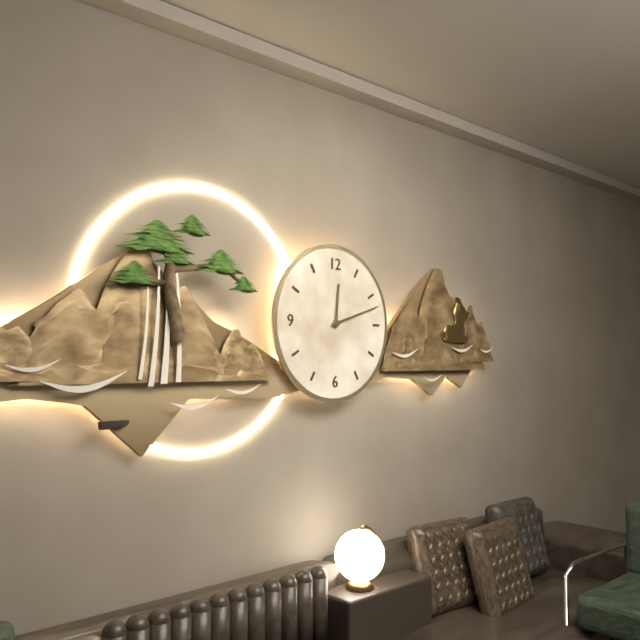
12 h 12 min
